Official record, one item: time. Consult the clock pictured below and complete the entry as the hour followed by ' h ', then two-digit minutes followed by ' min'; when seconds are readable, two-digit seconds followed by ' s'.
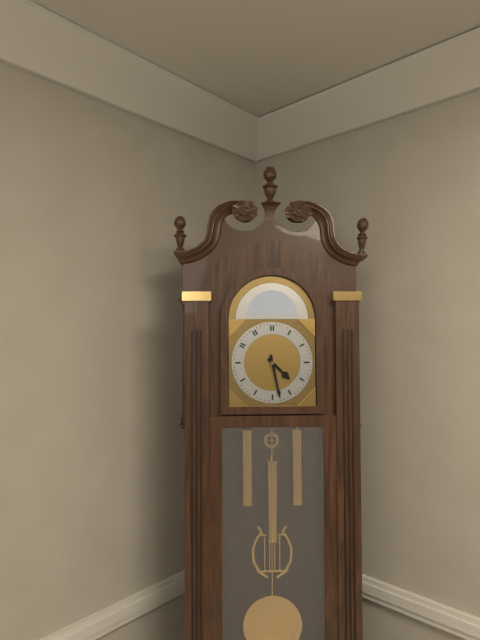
4 h 28 min
